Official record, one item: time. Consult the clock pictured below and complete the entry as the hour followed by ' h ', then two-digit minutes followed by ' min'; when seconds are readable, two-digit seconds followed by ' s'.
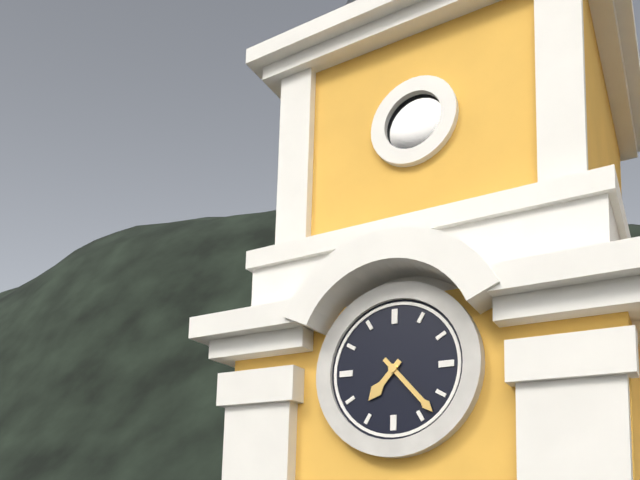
7 h 23 min
